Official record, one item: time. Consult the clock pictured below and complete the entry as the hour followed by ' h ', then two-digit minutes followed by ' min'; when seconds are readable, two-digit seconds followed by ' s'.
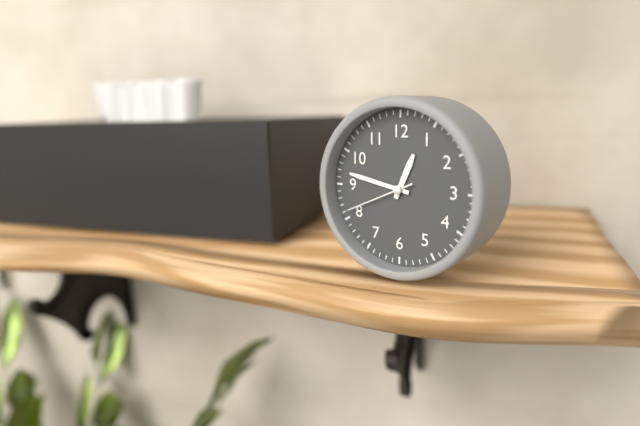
12 h 47 min 41 s
